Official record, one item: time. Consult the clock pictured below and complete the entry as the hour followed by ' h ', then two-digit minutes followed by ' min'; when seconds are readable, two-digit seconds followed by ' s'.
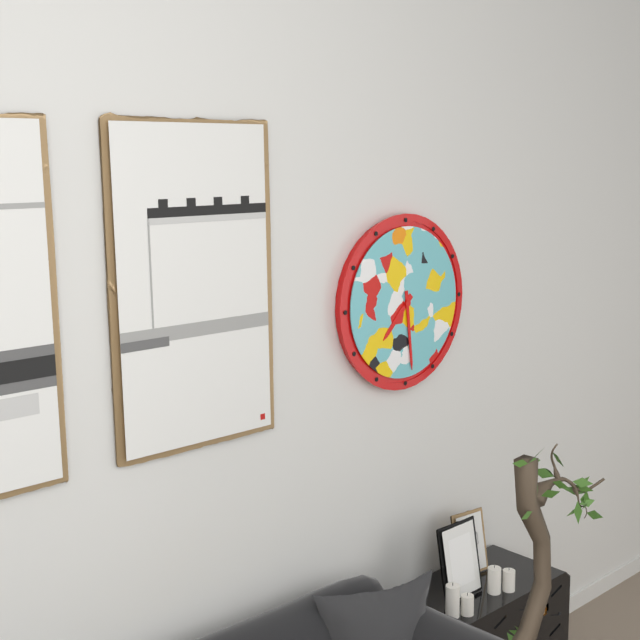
7 h 29 min
